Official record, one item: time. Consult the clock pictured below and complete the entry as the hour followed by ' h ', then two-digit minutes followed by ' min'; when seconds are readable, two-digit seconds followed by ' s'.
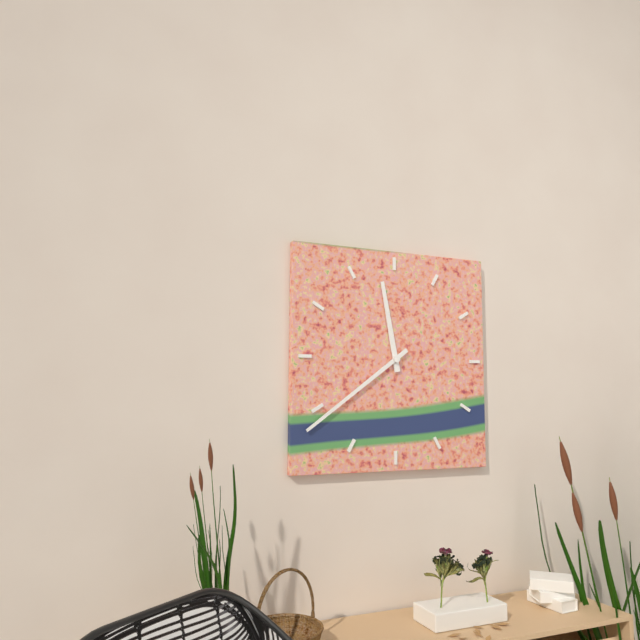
11 h 39 min
